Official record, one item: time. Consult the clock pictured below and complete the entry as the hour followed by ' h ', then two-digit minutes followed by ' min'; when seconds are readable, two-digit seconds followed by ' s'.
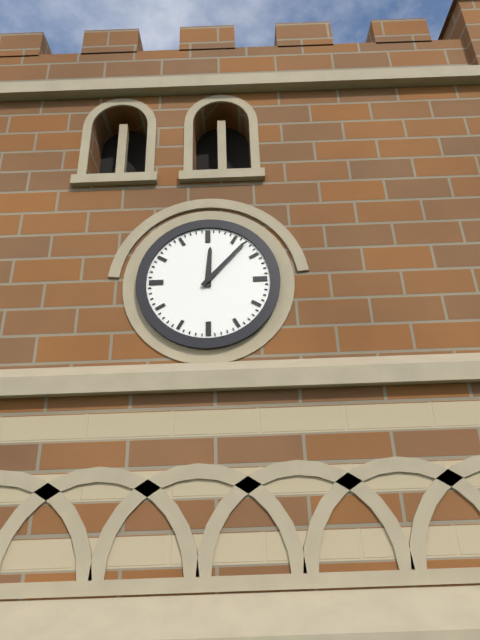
12 h 07 min
